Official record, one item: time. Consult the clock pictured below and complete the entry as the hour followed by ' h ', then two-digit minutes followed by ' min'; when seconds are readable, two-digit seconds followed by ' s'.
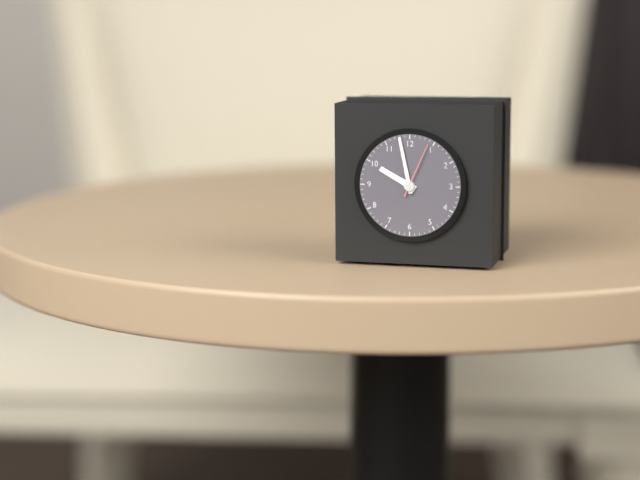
9 h 58 min 04 s
